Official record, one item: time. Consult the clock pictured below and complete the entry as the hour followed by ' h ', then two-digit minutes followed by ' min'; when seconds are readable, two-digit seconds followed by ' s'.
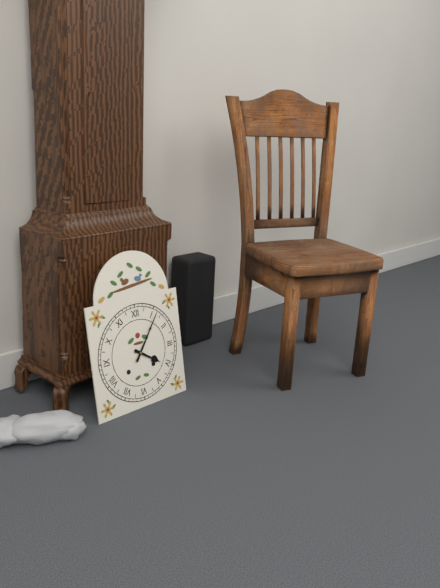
4 h 06 min
